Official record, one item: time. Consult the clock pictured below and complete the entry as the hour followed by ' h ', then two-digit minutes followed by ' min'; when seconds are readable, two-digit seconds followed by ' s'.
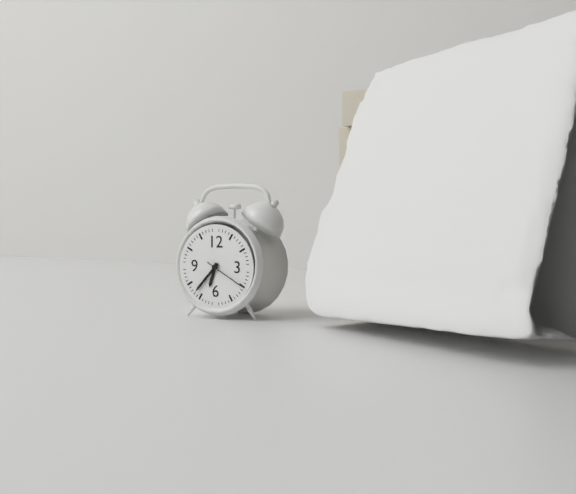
6 h 37 min
